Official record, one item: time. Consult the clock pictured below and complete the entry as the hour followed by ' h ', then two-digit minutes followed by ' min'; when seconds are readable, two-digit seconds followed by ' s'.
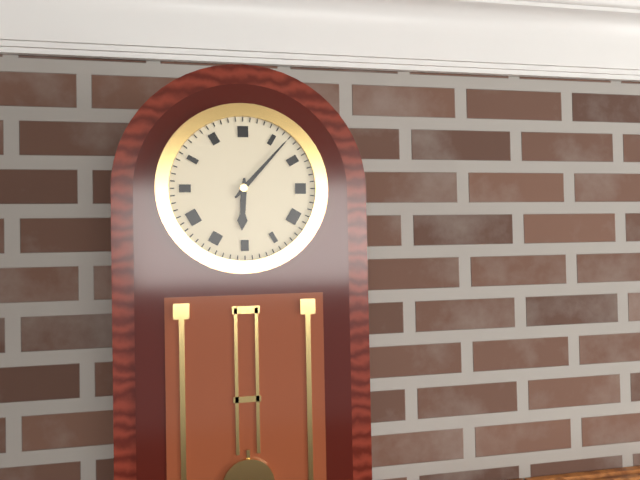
6 h 07 min
